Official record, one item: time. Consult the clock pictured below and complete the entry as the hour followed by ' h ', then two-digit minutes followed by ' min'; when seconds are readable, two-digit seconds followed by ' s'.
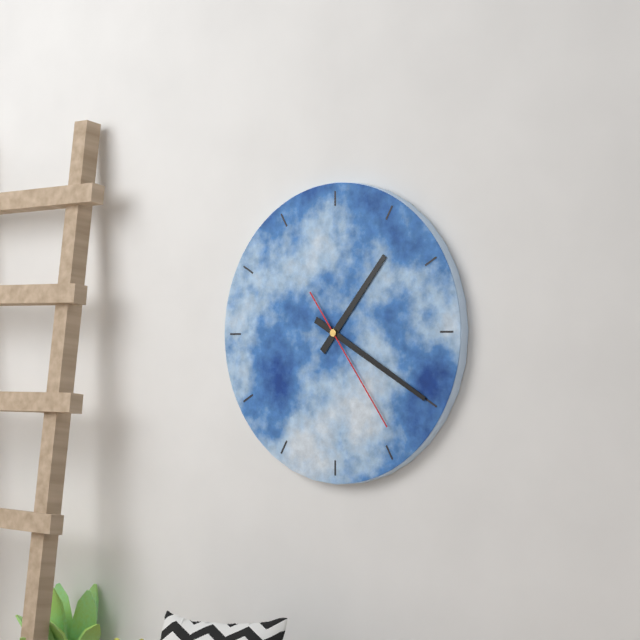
1 h 20 min 24 s
